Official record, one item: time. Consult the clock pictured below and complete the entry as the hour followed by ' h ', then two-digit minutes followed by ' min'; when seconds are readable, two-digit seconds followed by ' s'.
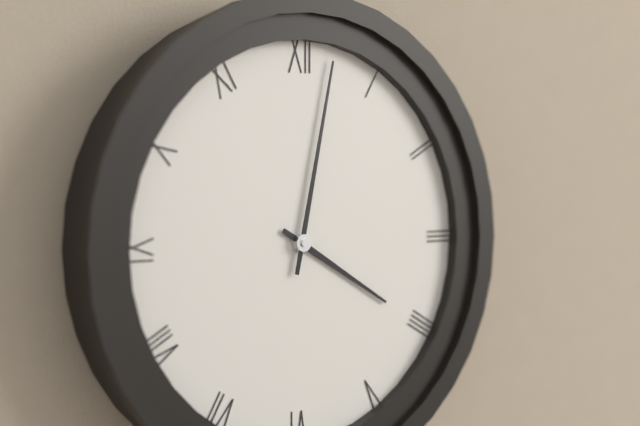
4 h 02 min
